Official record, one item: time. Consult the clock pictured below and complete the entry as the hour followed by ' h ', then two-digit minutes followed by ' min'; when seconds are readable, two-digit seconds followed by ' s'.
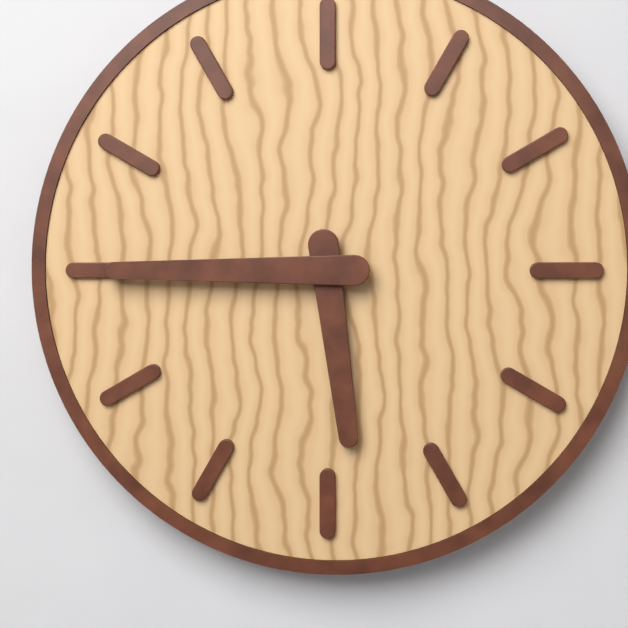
5 h 45 min
